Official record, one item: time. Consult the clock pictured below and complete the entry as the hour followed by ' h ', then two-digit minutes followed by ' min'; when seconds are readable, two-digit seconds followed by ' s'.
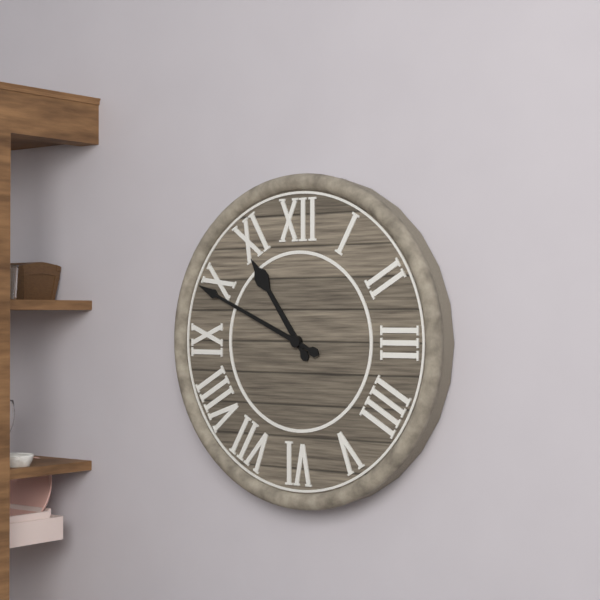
10 h 49 min
